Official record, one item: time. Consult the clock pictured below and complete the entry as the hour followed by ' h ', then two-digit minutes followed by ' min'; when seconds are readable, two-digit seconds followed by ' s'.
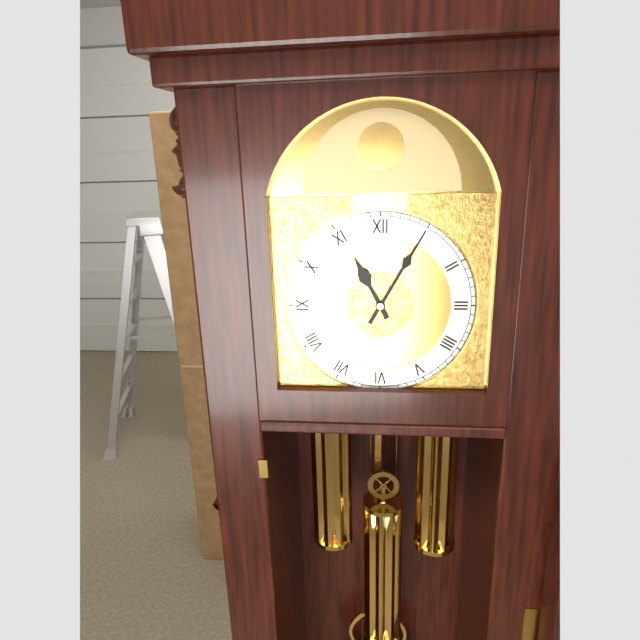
11 h 05 min
